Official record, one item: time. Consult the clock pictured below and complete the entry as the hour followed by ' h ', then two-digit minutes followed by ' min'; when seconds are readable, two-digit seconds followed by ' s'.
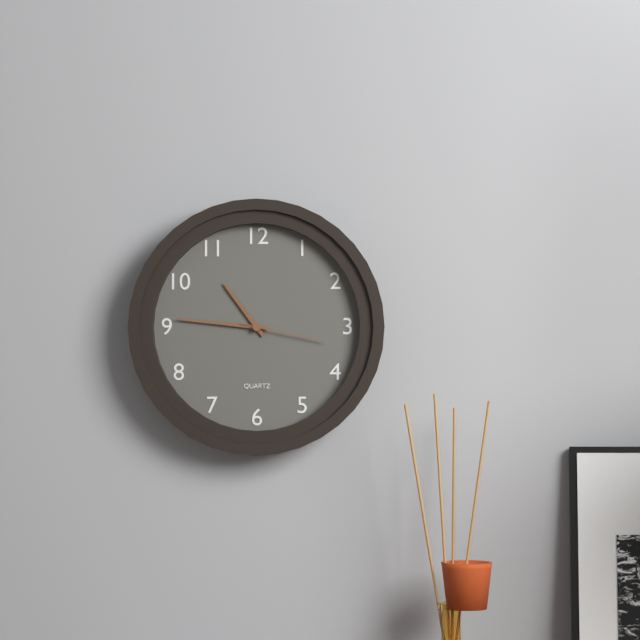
10 h 46 min 17 s
